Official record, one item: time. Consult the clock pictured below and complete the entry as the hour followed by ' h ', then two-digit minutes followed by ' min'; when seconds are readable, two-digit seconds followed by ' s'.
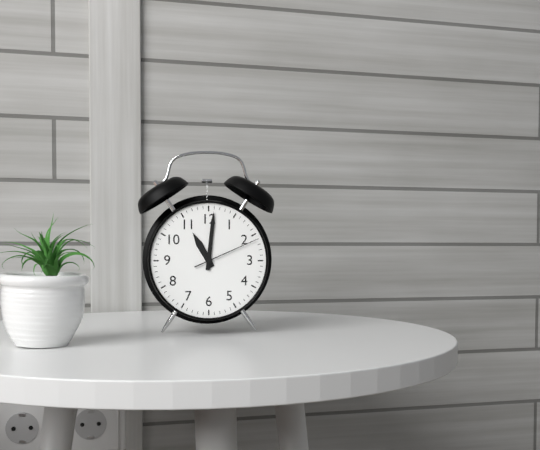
11 h 01 min 11 s
